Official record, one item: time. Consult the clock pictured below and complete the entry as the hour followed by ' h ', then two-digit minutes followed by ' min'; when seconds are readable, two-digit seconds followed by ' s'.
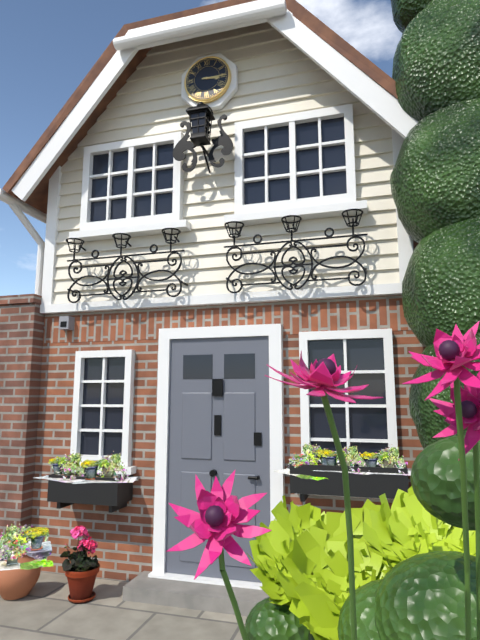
3 h 15 min
